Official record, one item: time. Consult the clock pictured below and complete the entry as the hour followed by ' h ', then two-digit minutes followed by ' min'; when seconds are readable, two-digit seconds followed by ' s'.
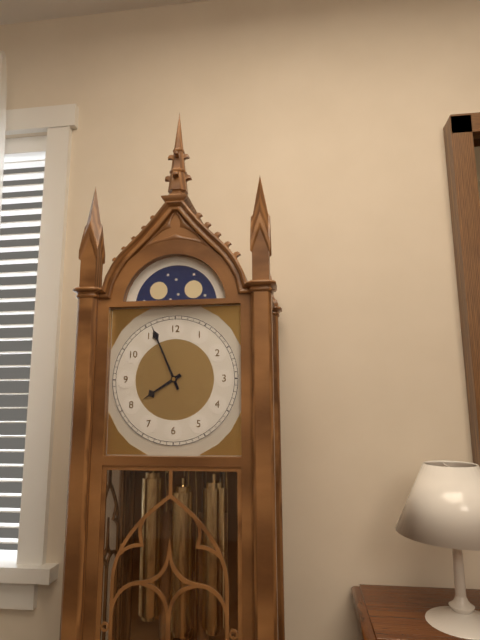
7 h 56 min
